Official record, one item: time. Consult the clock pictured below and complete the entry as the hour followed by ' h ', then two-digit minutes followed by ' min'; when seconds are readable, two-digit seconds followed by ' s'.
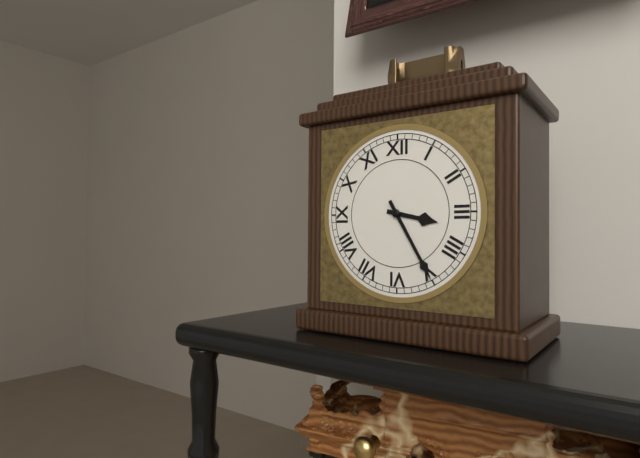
3 h 25 min
